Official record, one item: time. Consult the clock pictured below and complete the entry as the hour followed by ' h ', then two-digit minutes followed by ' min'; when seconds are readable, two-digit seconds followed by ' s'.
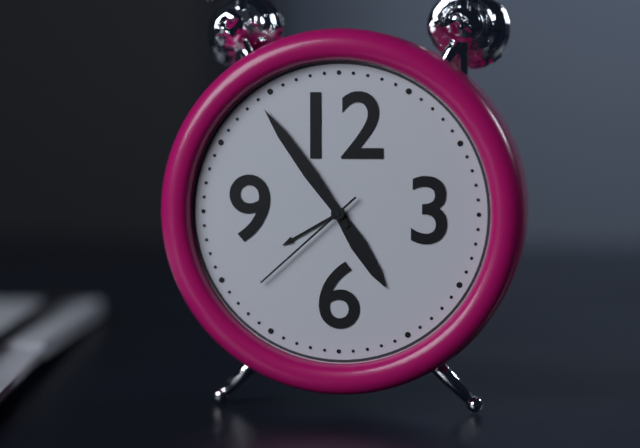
4 h 54 min 38 s
